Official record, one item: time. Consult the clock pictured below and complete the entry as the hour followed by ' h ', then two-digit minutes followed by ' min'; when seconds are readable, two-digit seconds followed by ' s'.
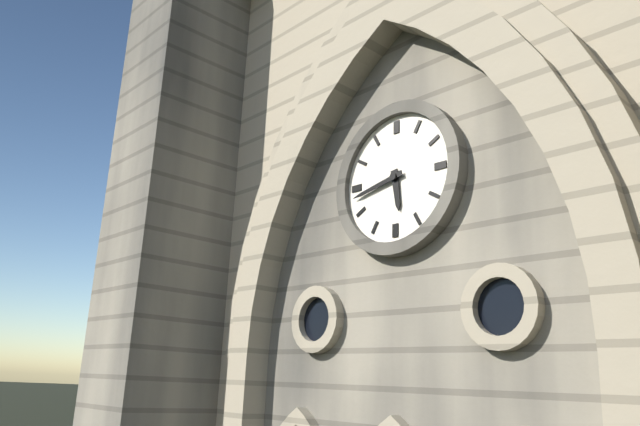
5 h 43 min
